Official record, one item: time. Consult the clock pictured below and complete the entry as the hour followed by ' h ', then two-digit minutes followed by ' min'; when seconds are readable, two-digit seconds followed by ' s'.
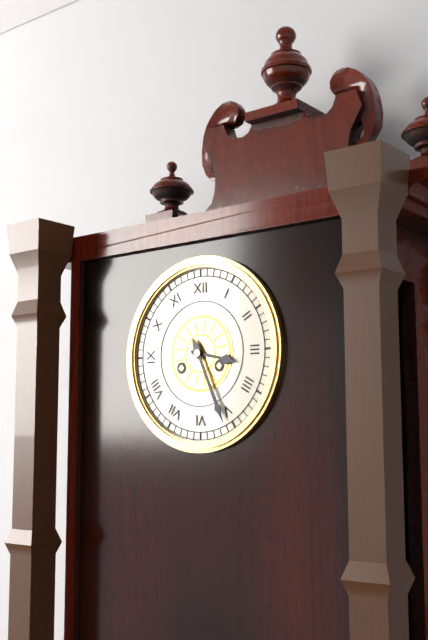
3 h 26 min
